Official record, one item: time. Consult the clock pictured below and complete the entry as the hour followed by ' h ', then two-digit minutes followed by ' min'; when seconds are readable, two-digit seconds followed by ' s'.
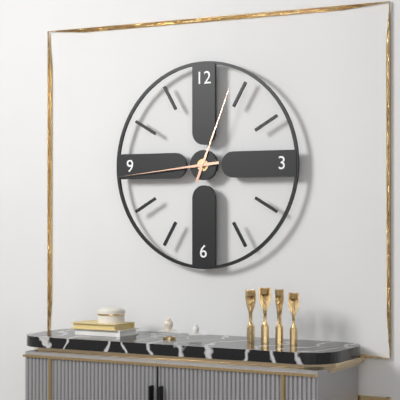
12 h 44 min
